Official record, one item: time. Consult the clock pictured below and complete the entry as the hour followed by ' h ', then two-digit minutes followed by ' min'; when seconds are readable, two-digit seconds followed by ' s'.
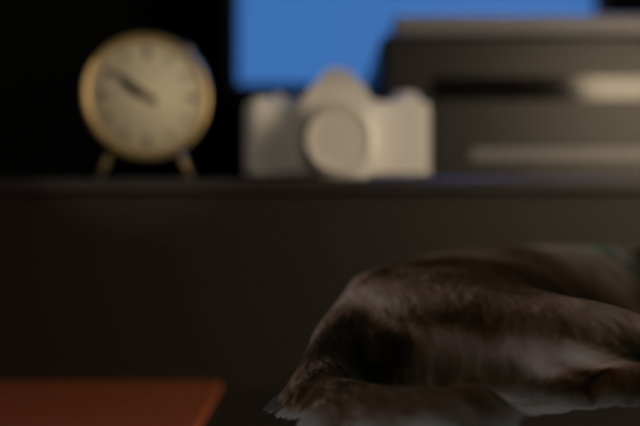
9 h 51 min
